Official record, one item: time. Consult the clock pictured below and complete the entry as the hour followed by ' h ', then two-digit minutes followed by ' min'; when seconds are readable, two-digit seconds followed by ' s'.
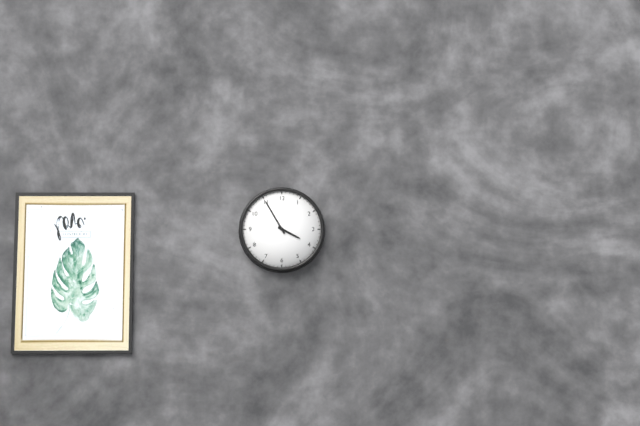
3 h 55 min
